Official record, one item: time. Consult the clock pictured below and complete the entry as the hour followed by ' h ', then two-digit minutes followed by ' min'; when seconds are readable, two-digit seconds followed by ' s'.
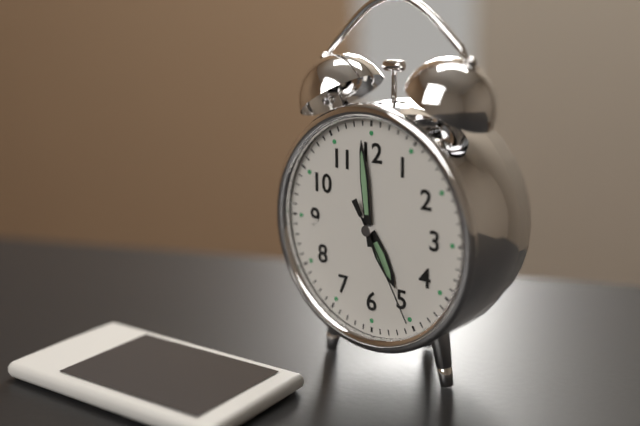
4 h 59 min 25 s
